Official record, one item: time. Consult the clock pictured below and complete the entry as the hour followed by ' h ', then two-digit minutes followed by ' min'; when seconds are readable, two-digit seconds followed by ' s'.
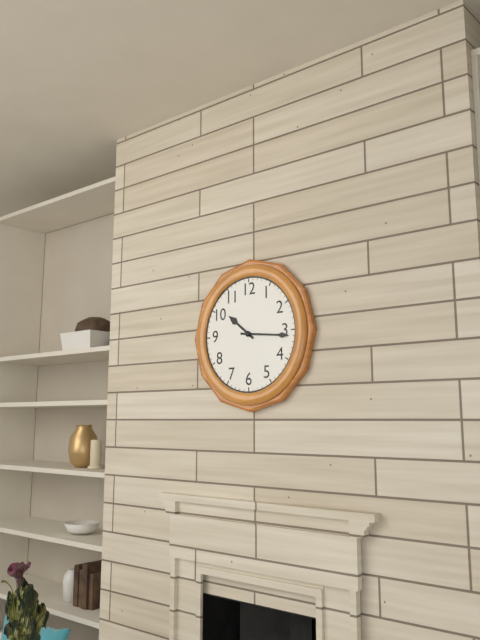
10 h 16 min
